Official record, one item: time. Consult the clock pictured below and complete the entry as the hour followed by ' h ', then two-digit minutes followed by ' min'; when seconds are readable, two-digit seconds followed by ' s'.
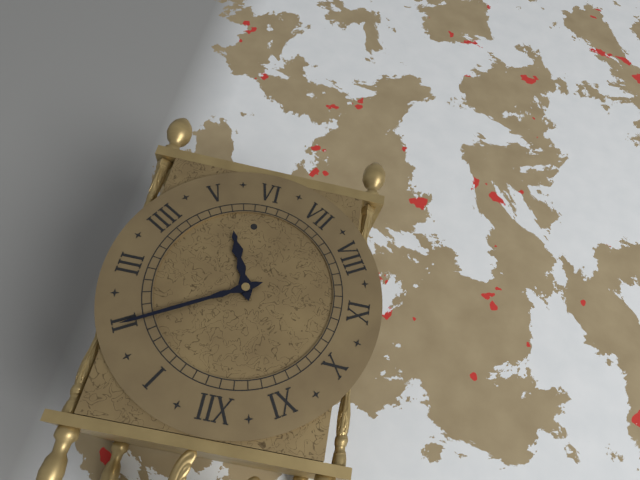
5 h 10 min
